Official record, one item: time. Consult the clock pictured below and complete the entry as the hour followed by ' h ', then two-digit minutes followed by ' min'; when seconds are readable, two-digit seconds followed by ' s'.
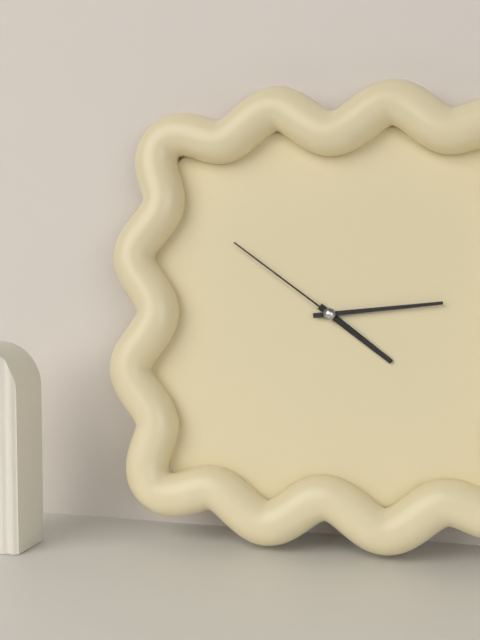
4 h 14 min 51 s
